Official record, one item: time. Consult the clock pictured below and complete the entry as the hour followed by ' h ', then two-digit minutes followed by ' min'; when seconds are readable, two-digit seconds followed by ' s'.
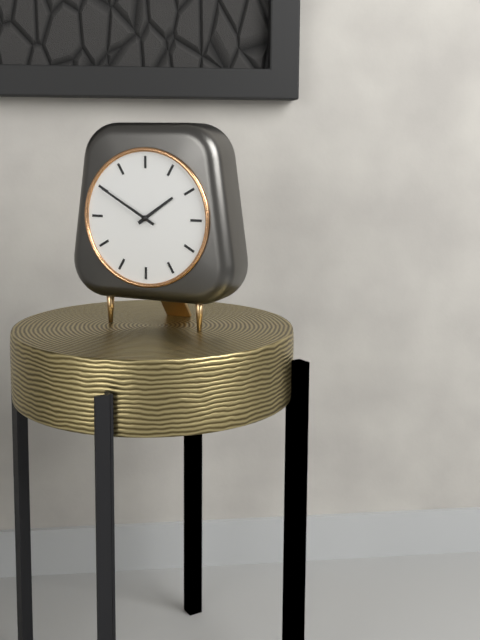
1 h 50 min
